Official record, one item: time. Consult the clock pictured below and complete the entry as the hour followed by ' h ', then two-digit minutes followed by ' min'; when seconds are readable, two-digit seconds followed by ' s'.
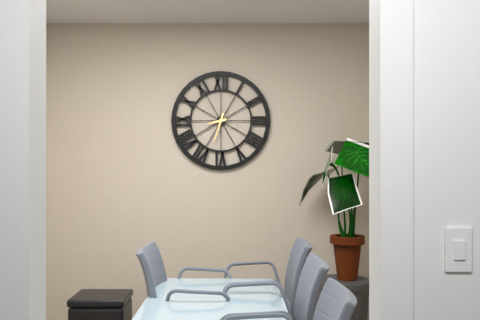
8 h 33 min
